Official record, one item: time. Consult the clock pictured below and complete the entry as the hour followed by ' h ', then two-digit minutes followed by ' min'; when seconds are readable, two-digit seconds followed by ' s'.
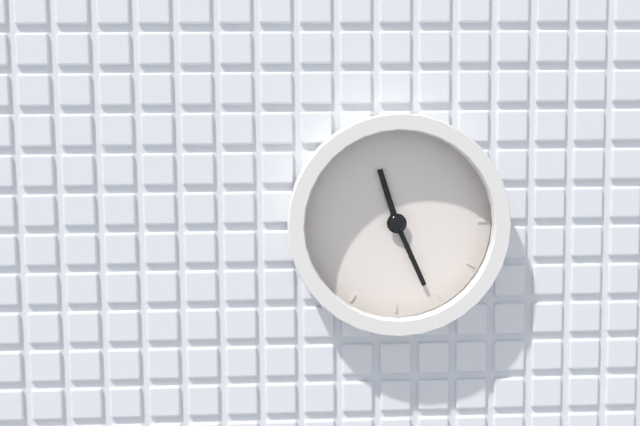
11 h 26 min
